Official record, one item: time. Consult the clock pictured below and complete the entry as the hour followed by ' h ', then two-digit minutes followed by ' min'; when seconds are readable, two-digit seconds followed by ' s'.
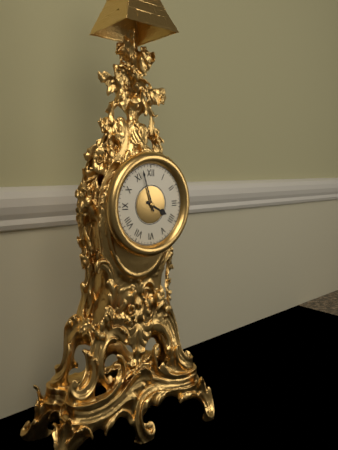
3 h 57 min
